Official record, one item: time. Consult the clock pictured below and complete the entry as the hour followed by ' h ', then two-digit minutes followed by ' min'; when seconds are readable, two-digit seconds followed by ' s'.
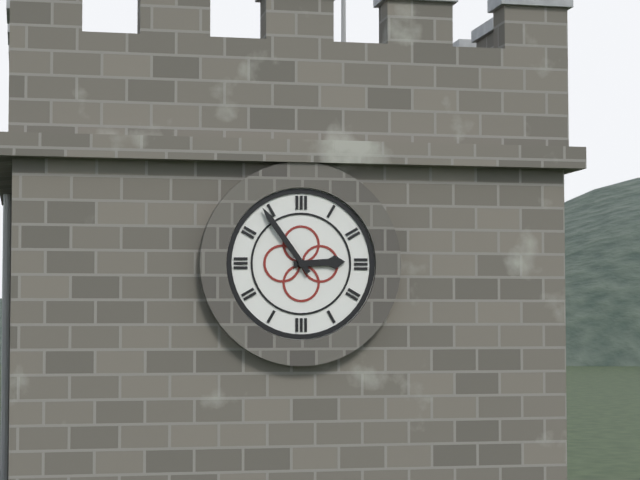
2 h 54 min
